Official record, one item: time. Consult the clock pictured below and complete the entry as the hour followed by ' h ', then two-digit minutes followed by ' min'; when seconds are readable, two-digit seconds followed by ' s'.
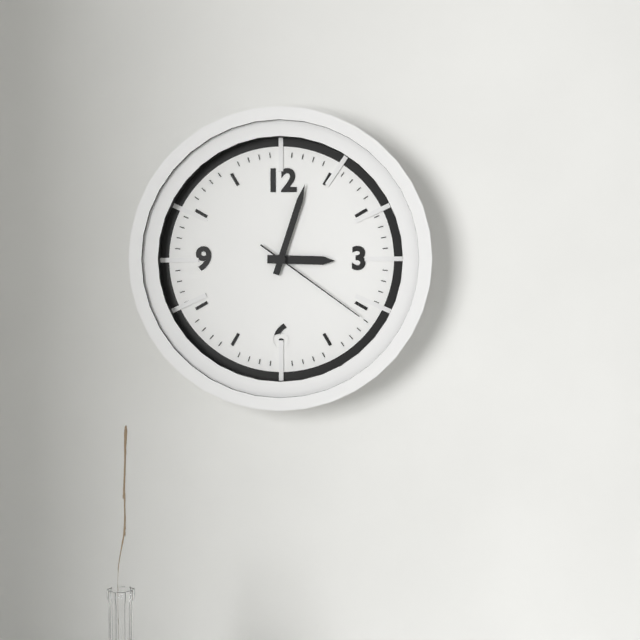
3 h 03 min 21 s
